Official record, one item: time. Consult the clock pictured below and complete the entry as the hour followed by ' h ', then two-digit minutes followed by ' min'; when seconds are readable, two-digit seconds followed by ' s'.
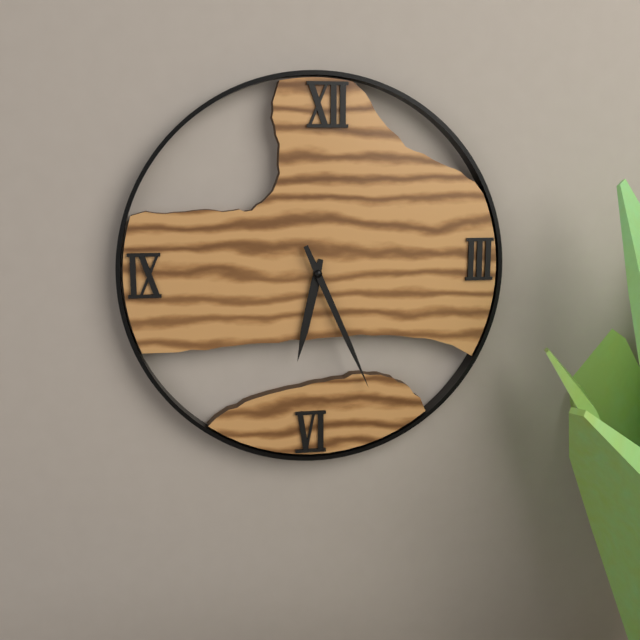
6 h 26 min
